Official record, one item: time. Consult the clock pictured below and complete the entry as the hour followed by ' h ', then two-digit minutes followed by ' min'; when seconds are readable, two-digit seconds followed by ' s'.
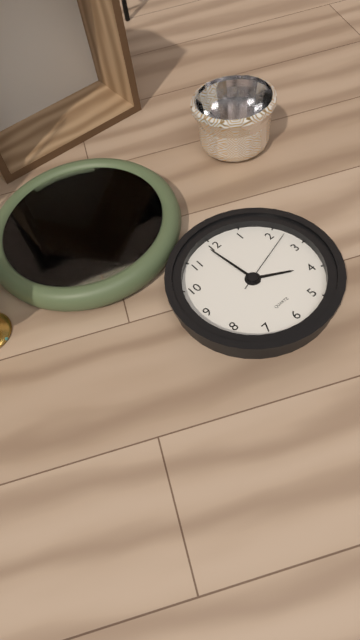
3 h 59 min 12 s
